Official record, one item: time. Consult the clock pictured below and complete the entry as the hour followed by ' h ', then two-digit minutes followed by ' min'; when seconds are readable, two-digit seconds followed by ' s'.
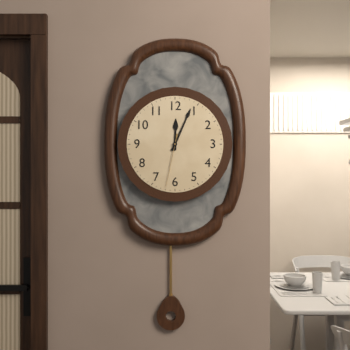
12 h 04 min 32 s
